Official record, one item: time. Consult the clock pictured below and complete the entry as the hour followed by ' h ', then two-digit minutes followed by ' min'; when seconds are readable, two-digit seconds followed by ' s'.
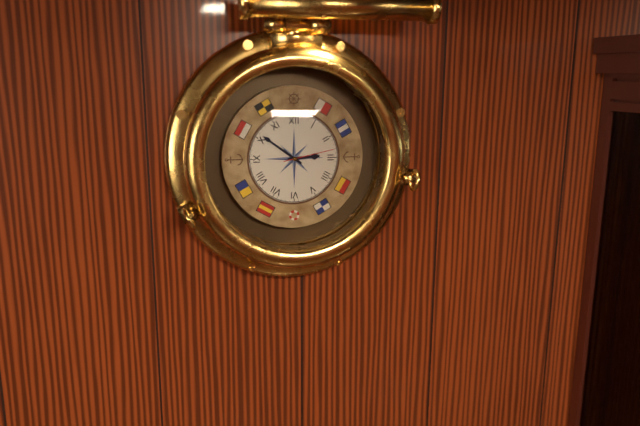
2 h 51 min 13 s
